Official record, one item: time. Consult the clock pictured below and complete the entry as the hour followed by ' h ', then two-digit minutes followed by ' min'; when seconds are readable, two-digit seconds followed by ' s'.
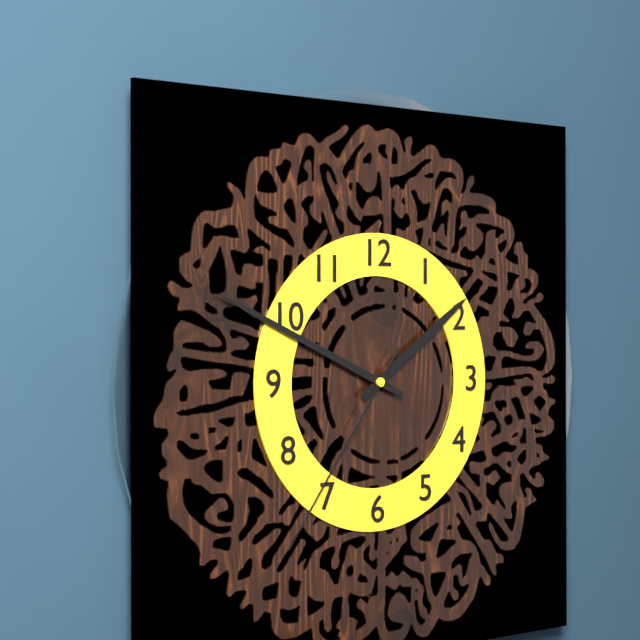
1 h 49 min 36 s
